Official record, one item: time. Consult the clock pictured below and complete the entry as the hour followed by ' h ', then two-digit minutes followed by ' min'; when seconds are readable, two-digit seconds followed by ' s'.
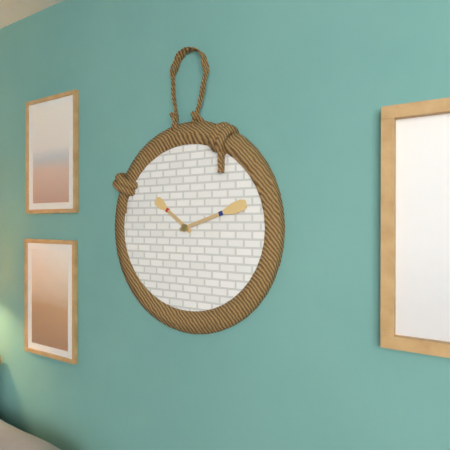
10 h 12 min
